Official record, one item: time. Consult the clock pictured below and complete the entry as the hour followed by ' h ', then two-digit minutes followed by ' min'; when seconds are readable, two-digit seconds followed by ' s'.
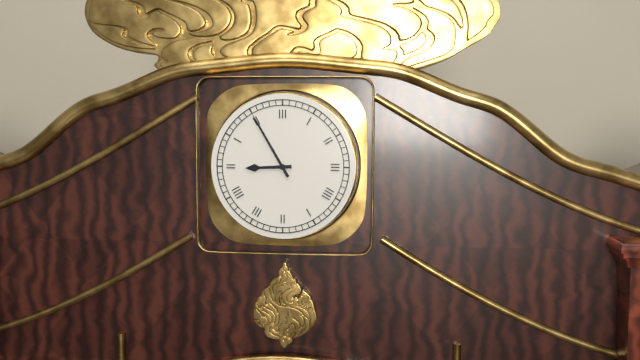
8 h 55 min
